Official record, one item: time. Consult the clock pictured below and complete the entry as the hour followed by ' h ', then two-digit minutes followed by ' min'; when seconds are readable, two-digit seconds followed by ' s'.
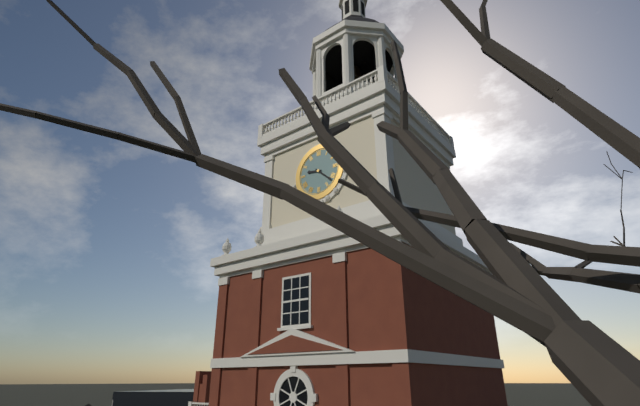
9 h 22 min
